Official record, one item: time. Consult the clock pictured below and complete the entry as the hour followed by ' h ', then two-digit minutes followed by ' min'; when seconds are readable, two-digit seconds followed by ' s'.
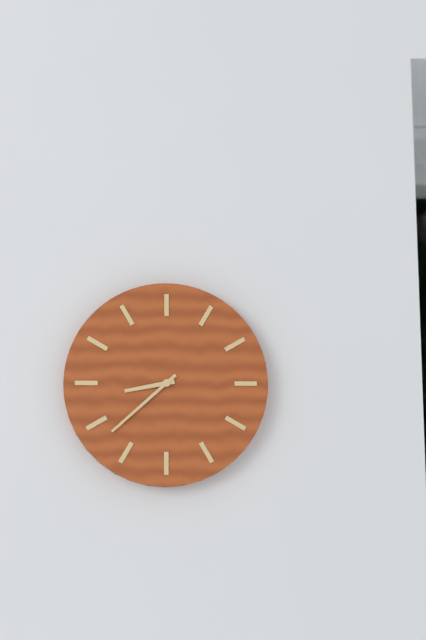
8 h 38 min
